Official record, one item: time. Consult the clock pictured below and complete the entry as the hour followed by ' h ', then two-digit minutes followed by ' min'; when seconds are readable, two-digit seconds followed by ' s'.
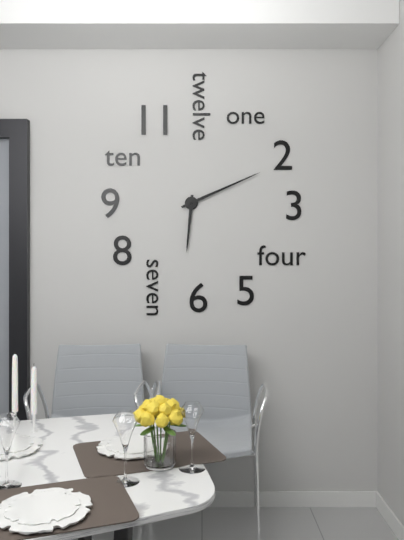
6 h 11 min
